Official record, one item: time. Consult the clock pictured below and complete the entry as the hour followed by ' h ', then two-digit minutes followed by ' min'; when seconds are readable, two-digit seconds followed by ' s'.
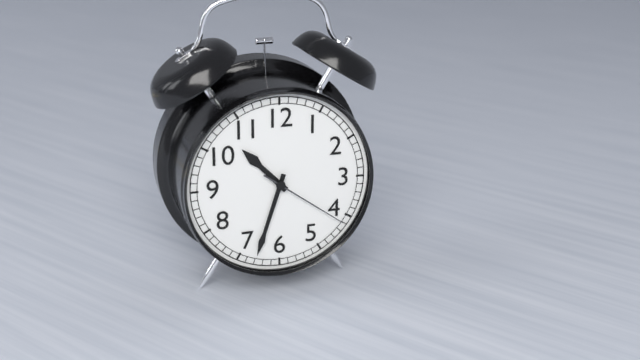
10 h 33 min 21 s
